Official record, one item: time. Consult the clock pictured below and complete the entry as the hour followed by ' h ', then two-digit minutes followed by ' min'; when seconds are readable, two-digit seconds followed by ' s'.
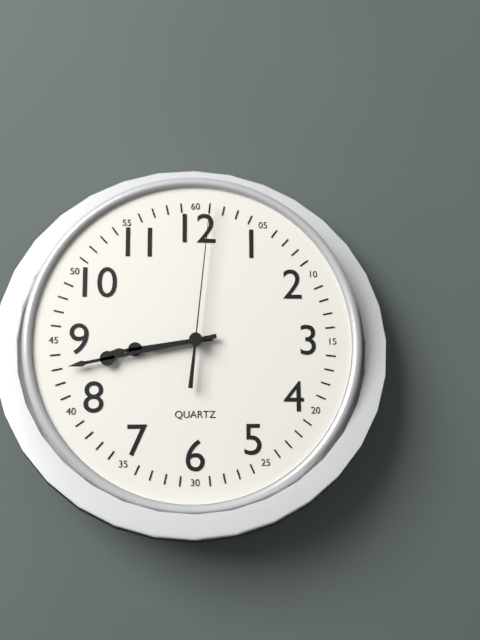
8 h 43 min 01 s
